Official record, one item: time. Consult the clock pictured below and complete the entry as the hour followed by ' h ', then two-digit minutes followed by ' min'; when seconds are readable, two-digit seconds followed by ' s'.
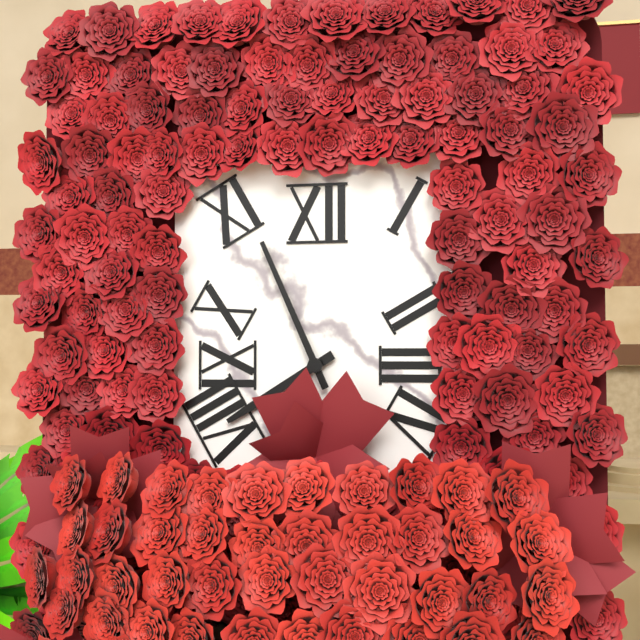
7 h 56 min
